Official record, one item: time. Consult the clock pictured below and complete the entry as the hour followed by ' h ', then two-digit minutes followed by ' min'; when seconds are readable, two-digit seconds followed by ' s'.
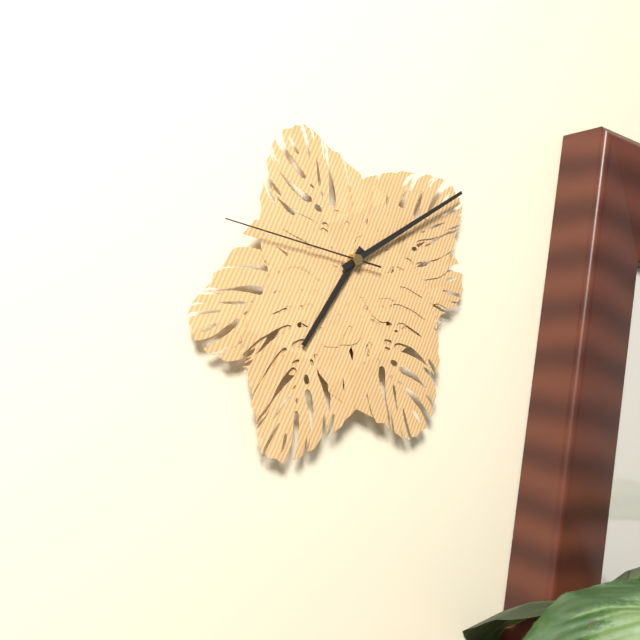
7 h 10 min 47 s
